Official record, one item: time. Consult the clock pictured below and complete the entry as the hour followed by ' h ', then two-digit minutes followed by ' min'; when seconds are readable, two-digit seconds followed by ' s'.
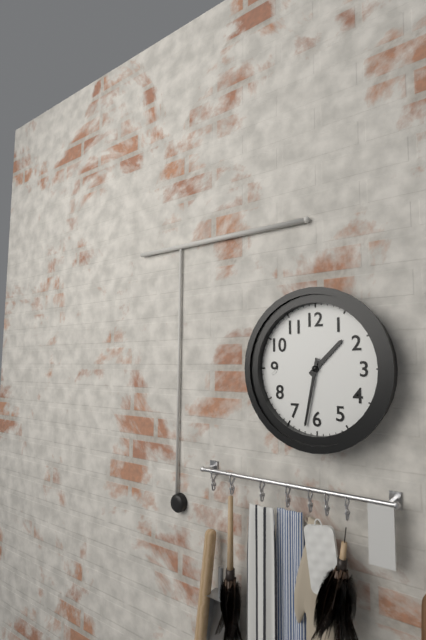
1 h 32 min
